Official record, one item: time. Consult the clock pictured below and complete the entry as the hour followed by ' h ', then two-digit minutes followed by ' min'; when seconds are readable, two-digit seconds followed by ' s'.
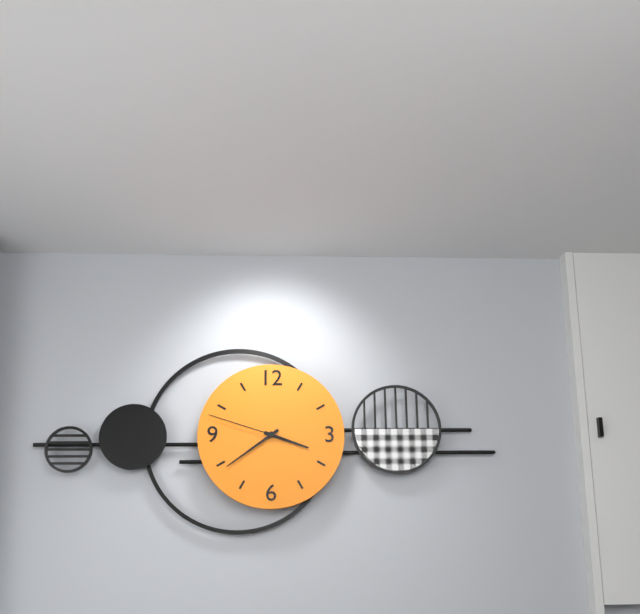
3 h 39 min 48 s
